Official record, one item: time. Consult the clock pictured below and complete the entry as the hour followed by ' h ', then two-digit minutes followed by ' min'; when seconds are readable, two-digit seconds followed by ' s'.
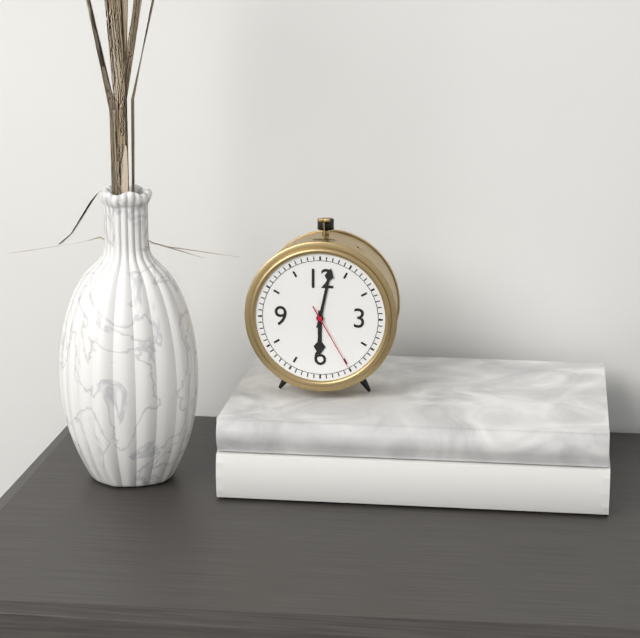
6 h 02 min 25 s
